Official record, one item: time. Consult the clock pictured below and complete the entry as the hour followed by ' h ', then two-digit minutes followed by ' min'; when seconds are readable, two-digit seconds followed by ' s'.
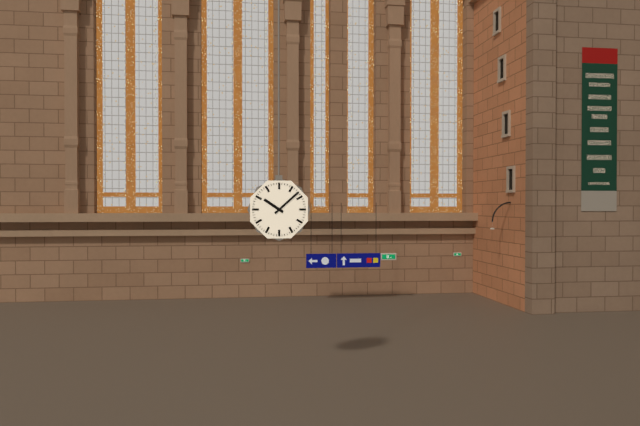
10 h 08 min
